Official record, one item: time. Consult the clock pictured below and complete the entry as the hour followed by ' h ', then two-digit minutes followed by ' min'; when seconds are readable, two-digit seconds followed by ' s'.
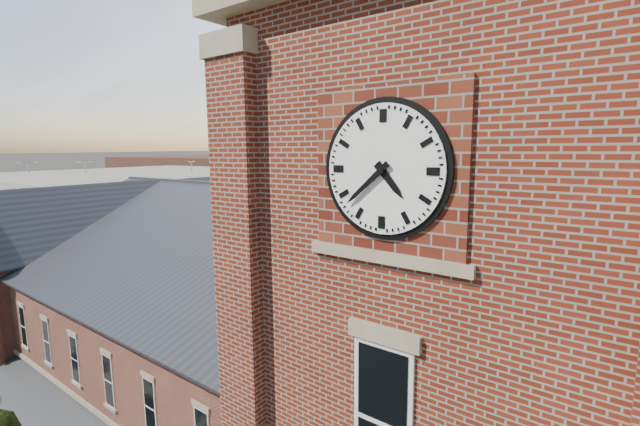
4 h 38 min
